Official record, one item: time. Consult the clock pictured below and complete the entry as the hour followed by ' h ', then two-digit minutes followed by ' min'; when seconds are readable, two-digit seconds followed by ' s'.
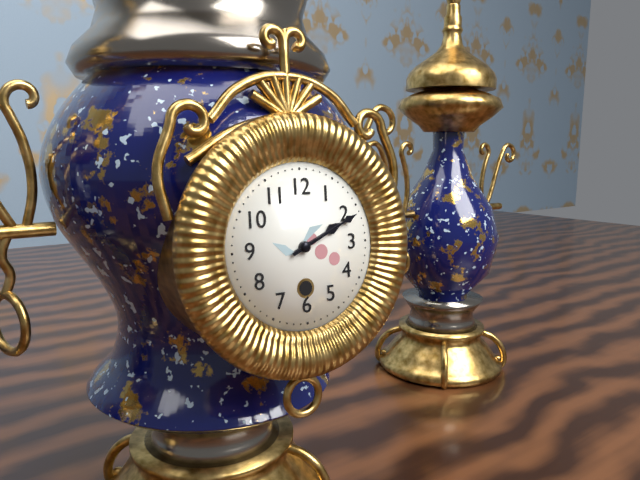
2 h 11 min
